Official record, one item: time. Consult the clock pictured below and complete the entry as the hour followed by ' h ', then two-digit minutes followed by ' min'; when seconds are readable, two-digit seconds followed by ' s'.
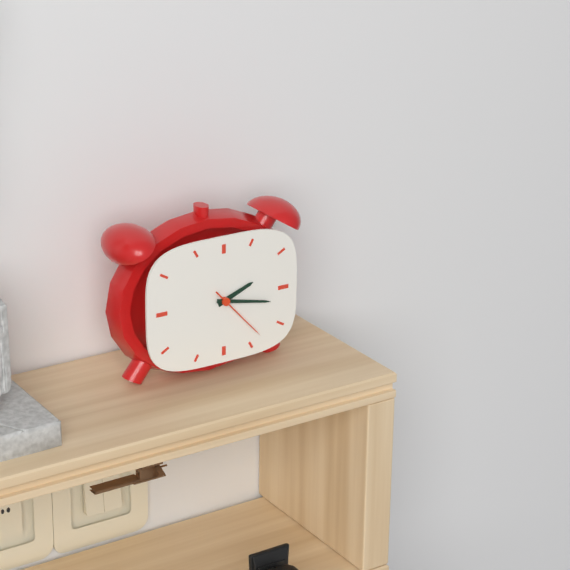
2 h 17 min 23 s
